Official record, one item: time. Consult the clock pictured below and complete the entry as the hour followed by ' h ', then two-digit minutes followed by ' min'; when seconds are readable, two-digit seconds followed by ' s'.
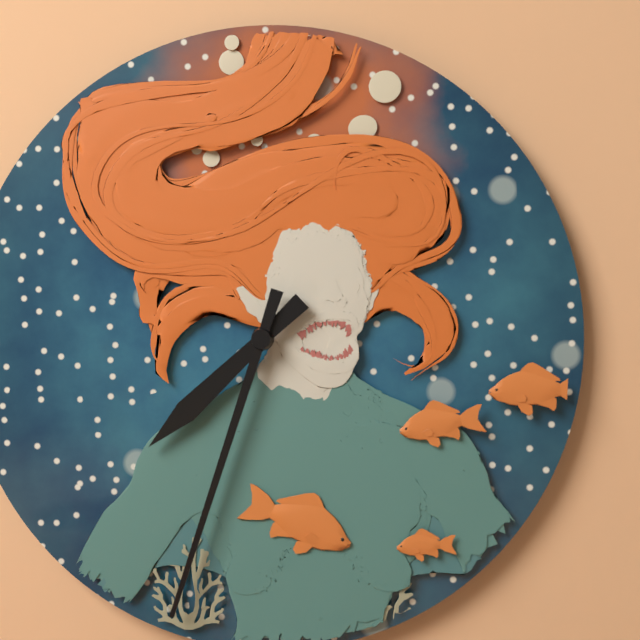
7 h 33 min
